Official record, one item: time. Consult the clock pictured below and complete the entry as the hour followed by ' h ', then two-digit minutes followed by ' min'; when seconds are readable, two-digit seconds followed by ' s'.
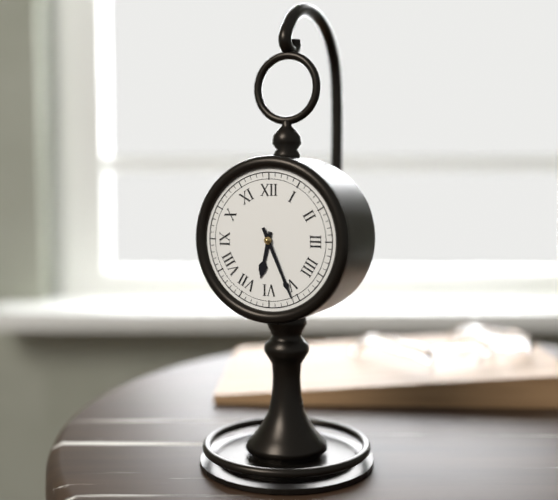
6 h 26 min
